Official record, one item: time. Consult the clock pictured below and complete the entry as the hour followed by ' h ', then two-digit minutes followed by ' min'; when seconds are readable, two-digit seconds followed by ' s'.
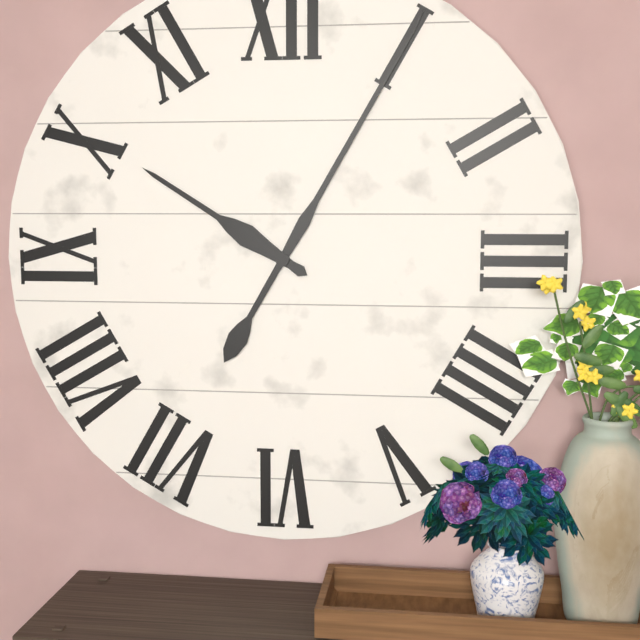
10 h 05 min
